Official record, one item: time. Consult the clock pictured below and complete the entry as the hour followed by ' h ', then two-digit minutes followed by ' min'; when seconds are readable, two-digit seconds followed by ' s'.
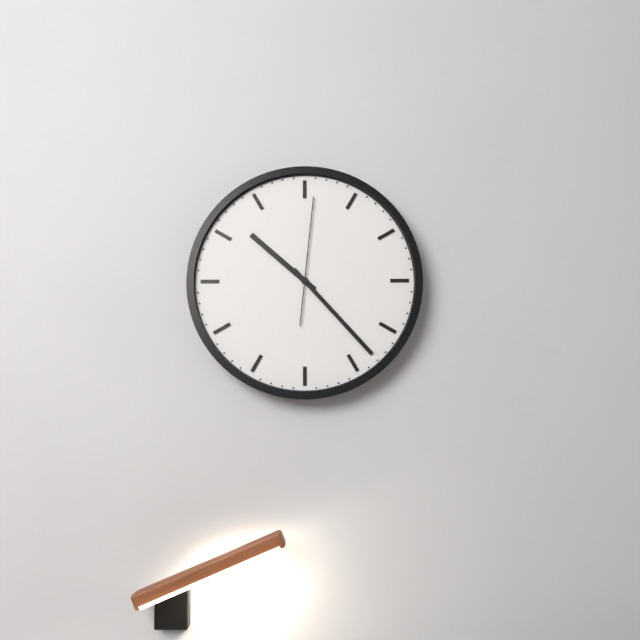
10 h 23 min 01 s
